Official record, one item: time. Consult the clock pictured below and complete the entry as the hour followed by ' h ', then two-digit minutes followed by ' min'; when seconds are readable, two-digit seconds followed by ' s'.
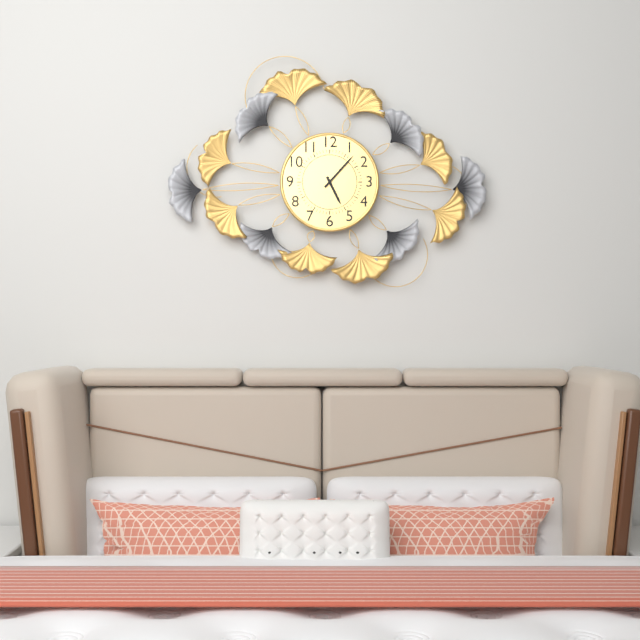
5 h 07 min
